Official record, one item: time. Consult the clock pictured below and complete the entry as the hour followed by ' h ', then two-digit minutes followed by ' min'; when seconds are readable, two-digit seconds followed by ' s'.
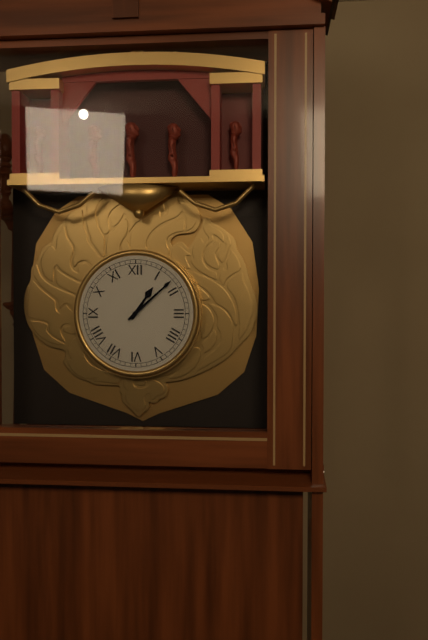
1 h 08 min
